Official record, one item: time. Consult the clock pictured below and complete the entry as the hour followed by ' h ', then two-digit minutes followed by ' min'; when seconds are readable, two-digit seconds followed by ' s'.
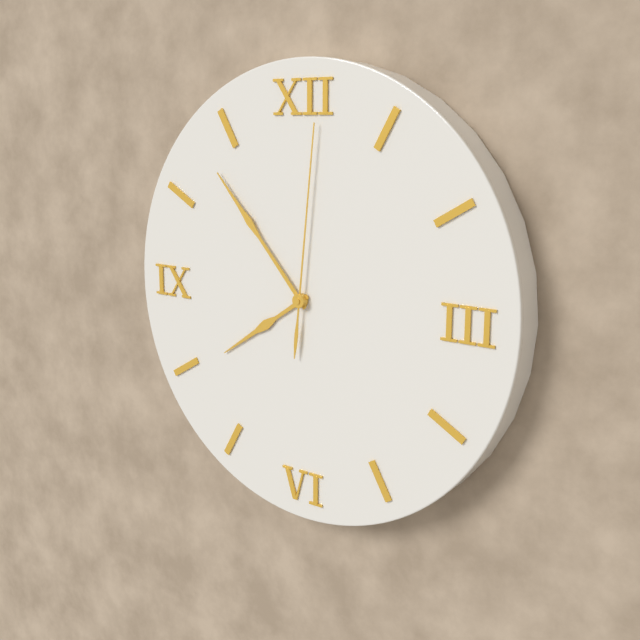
7 h 53 min 01 s
